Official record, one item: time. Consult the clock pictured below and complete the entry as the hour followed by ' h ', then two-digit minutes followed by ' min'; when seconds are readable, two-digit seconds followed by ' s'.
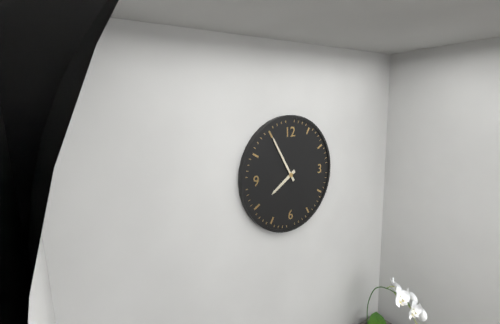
7 h 55 min
